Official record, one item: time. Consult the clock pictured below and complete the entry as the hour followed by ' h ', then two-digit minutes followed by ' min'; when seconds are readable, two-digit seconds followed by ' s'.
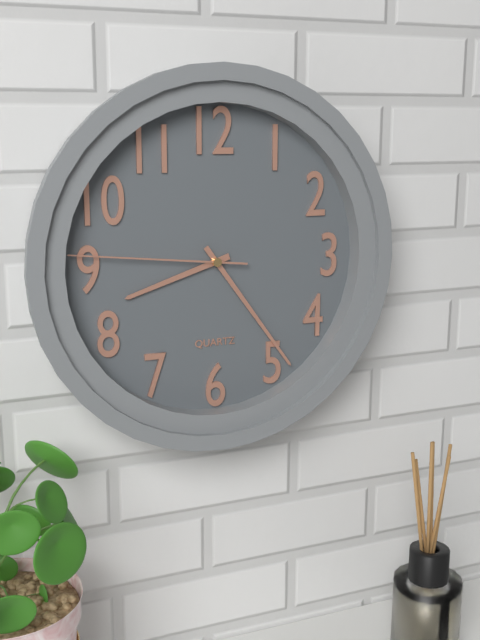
8 h 24 min 46 s
